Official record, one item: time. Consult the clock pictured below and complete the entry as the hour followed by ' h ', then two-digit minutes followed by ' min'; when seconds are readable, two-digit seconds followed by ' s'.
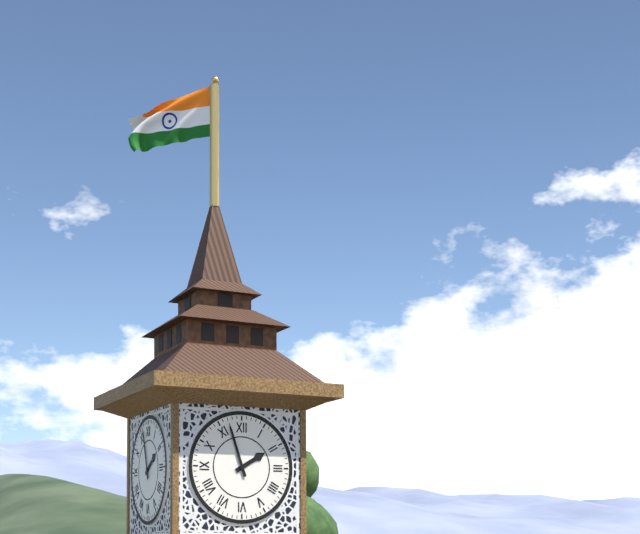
1 h 57 min
